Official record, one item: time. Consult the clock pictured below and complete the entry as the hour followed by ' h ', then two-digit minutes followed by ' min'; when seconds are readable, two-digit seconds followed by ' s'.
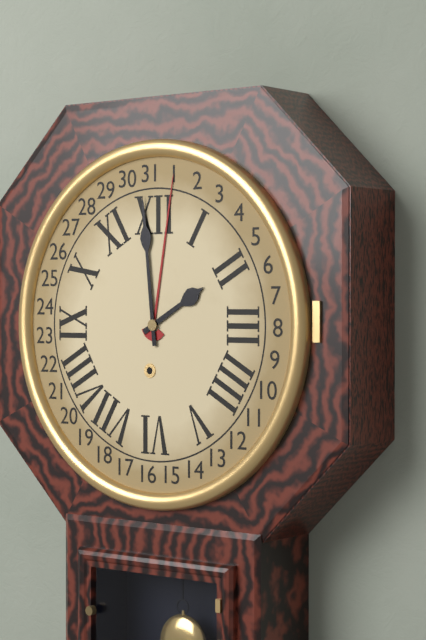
1 h 59 min
